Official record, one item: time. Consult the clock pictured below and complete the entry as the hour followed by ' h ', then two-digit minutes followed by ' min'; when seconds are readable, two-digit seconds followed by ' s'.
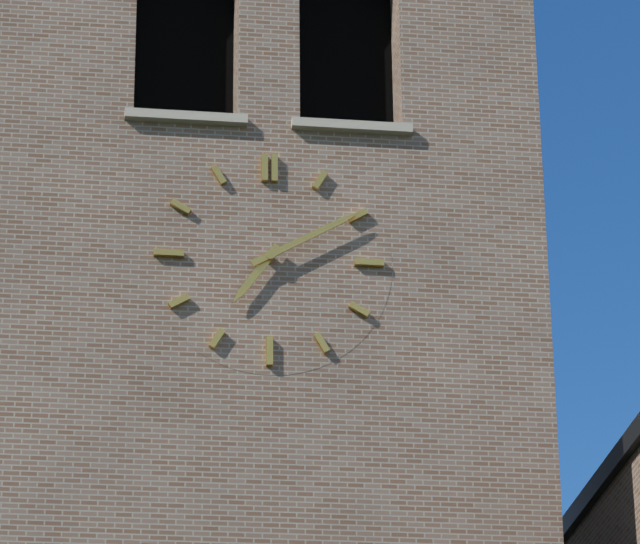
7 h 10 min
